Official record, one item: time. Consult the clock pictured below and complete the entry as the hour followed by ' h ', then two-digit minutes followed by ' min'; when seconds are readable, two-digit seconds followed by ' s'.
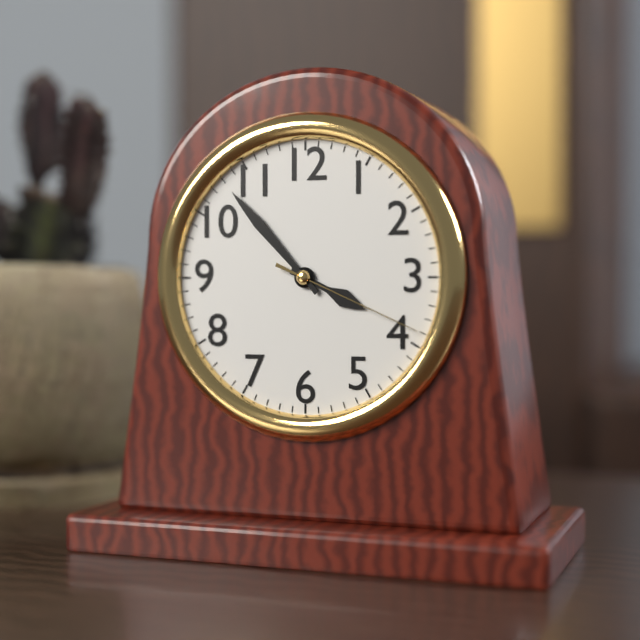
3 h 53 min 19 s
